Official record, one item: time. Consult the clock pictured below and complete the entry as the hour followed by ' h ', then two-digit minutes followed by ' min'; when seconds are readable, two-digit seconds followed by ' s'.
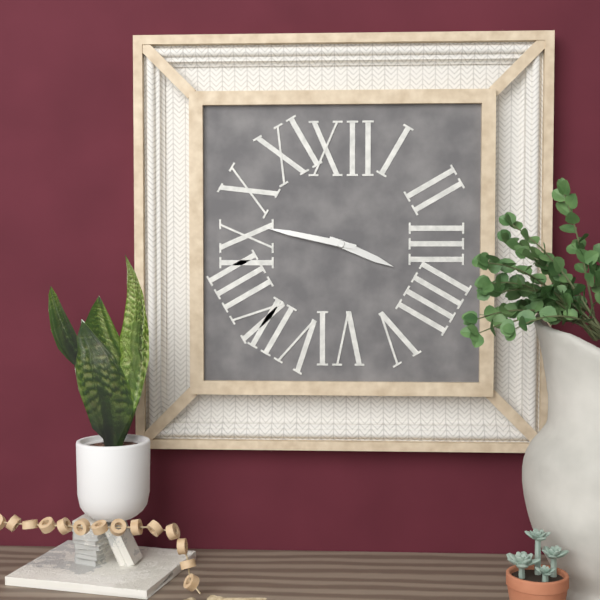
3 h 47 min
